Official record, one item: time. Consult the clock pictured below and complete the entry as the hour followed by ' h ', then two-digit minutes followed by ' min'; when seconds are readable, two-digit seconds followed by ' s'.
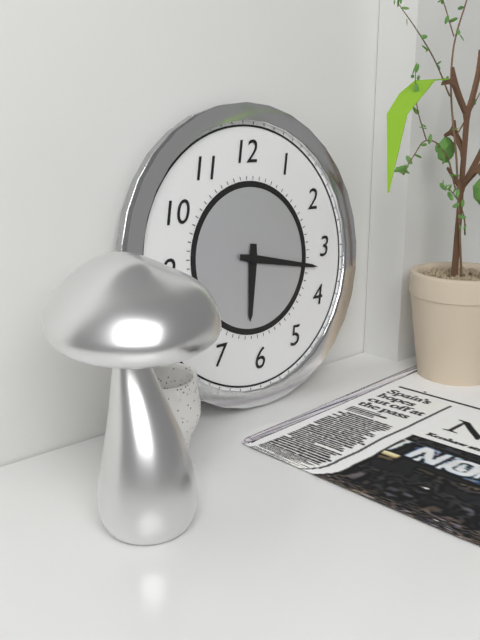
6 h 17 min
